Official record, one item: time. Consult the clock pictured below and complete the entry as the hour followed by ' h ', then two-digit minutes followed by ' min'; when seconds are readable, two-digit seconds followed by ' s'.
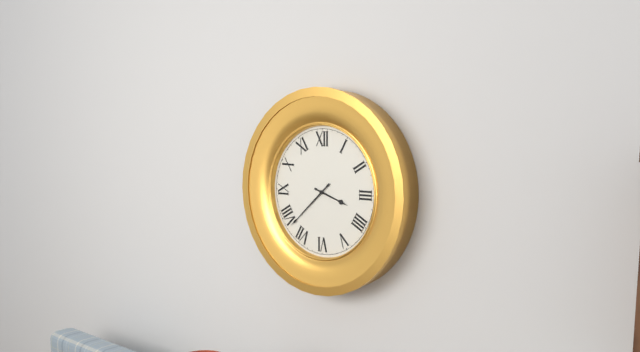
3 h 38 min
